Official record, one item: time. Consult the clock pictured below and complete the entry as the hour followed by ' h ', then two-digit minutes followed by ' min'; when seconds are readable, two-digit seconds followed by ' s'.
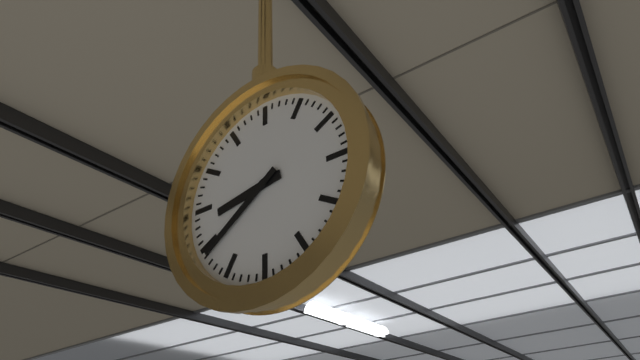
8 h 39 min
